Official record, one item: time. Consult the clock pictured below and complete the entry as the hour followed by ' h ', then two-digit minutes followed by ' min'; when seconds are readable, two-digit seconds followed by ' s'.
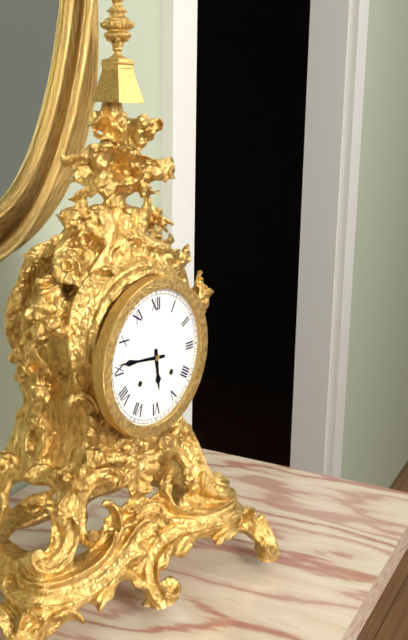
5 h 46 min
